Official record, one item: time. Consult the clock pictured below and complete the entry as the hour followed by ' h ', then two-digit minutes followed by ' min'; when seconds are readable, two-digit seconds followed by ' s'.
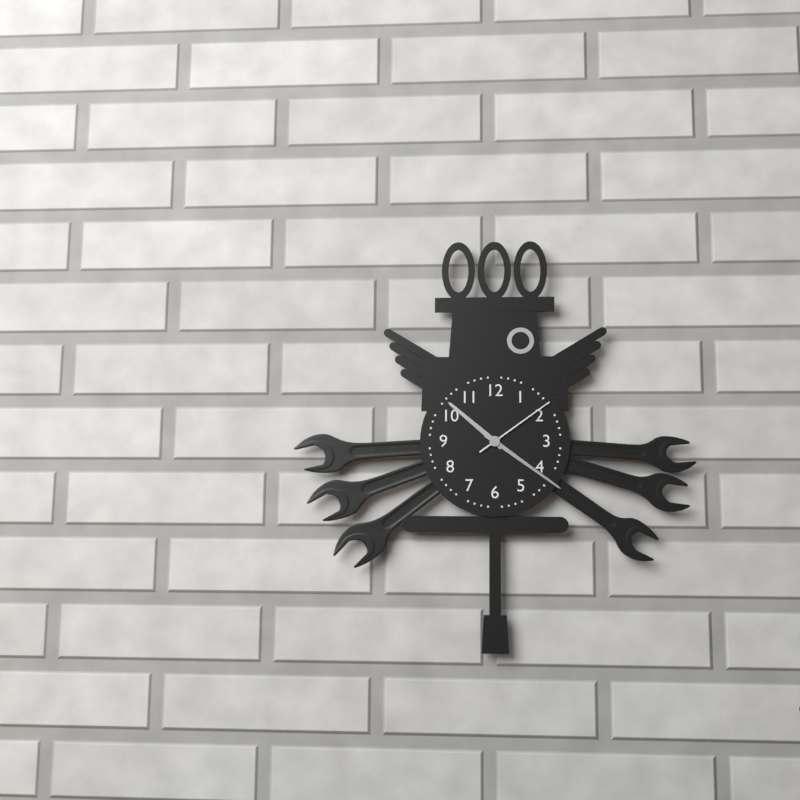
10 h 21 min 09 s
